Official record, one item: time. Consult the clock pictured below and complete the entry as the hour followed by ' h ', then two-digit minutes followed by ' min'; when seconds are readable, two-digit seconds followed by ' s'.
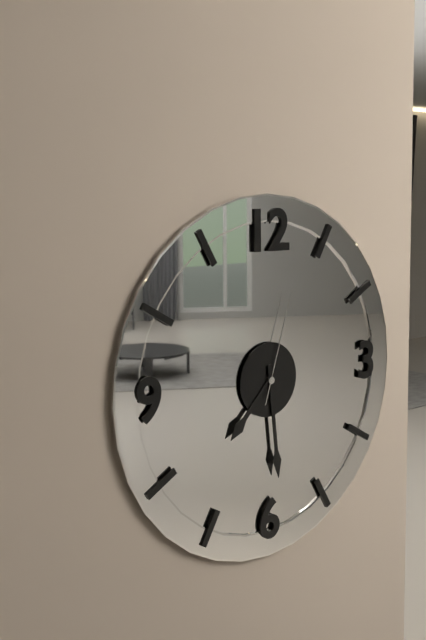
7 h 29 min 03 s
